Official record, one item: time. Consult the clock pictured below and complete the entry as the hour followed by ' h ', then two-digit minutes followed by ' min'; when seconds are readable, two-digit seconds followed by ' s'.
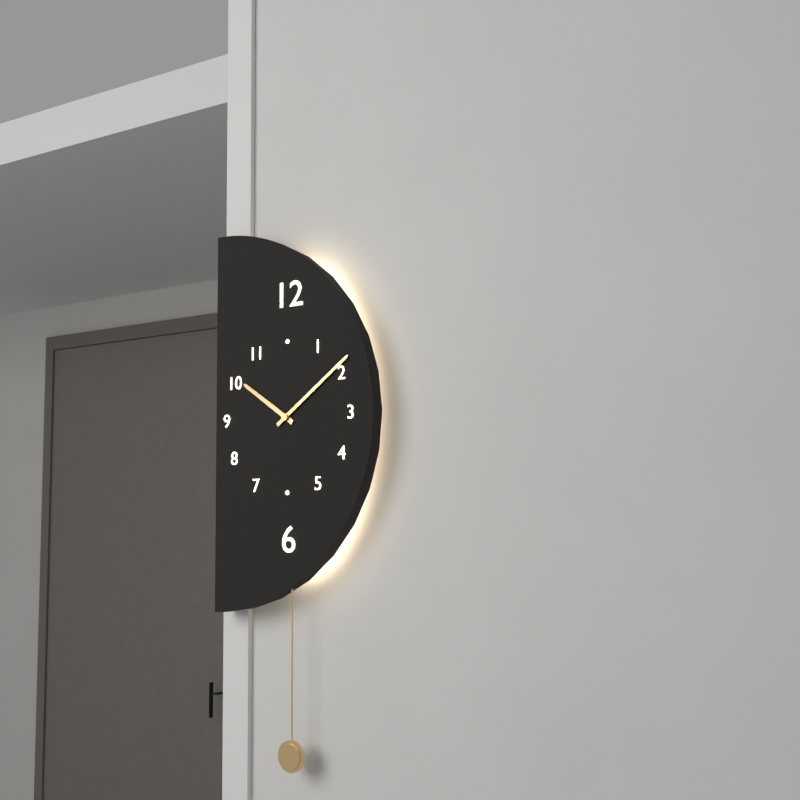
10 h 09 min
